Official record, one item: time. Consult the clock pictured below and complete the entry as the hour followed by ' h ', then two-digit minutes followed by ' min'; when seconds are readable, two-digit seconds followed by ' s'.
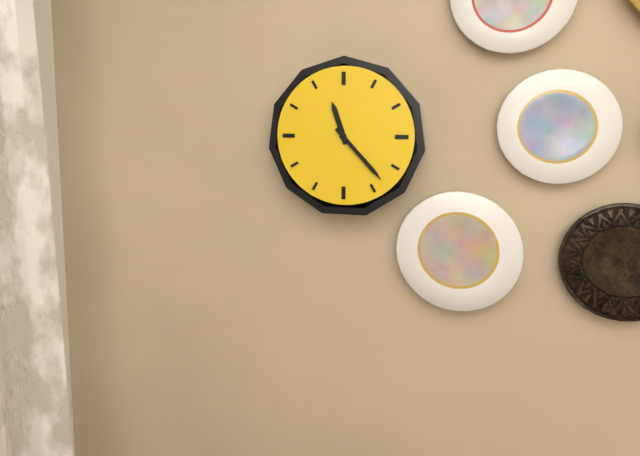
11 h 23 min
